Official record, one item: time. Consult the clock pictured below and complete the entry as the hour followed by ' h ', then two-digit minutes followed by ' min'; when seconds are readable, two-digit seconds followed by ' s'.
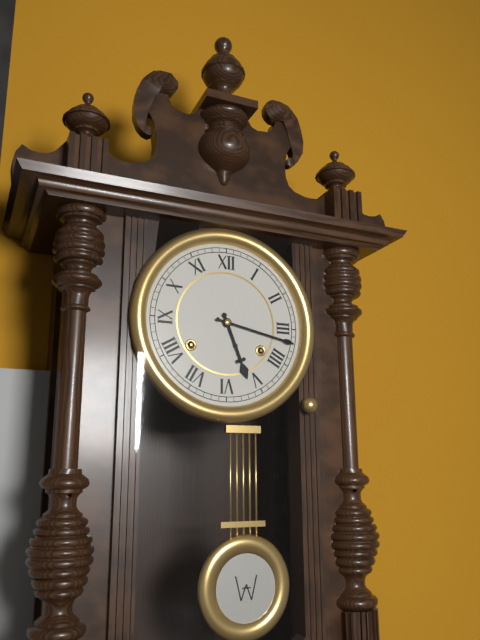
5 h 17 min
